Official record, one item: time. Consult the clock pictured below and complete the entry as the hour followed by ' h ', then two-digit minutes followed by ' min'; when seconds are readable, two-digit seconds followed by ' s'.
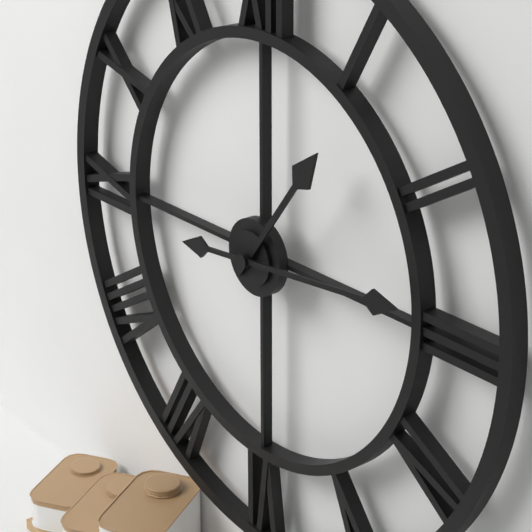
1 h 14 min
